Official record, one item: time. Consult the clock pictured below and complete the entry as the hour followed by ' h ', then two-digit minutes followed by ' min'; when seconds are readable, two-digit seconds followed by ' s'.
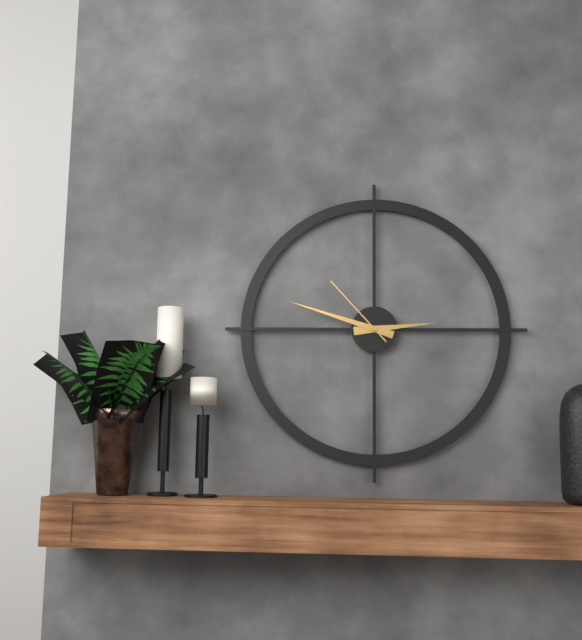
2 h 48 min 53 s
